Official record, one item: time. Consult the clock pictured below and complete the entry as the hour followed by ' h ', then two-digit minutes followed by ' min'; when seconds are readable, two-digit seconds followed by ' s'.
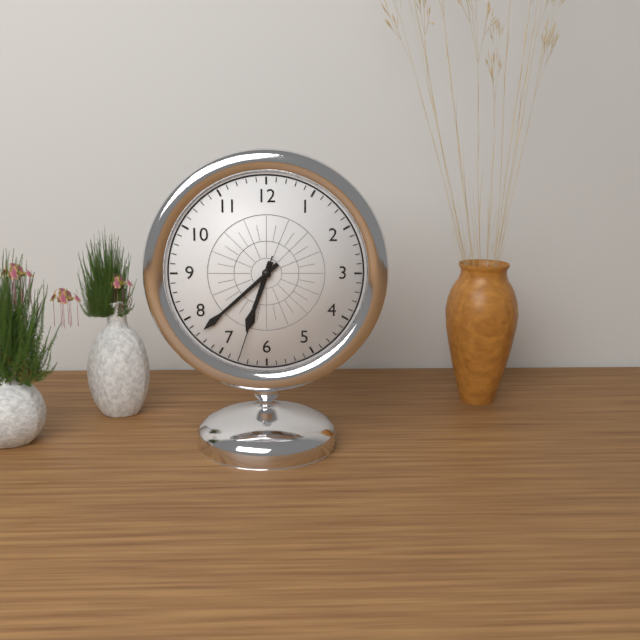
6 h 38 min 33 s
